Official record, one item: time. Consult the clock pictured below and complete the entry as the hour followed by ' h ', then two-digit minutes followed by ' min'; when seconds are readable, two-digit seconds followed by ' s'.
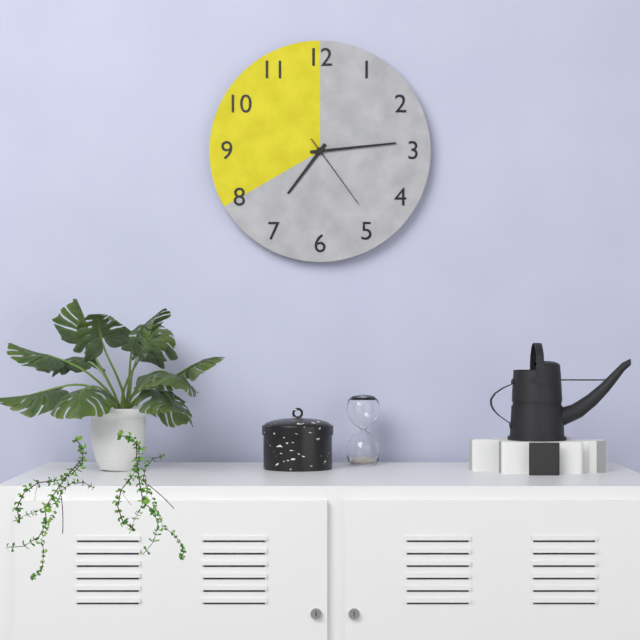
7 h 14 min 24 s
